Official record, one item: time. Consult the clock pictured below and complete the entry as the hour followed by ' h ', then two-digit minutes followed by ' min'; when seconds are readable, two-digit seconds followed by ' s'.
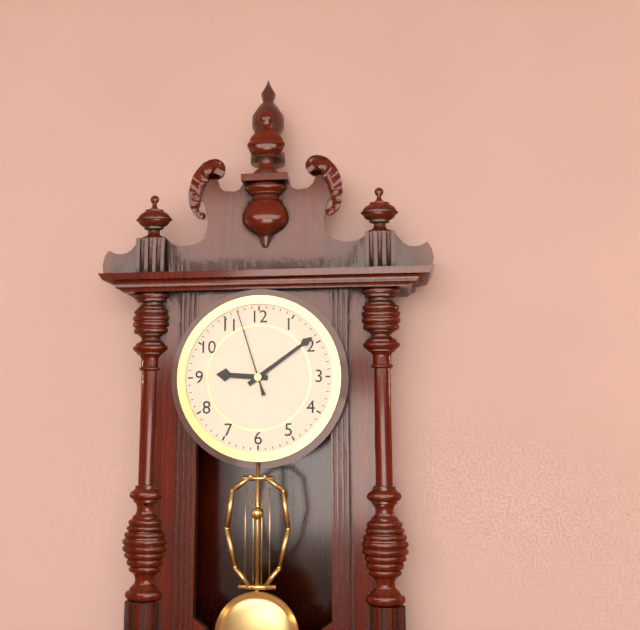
9 h 09 min 57 s
